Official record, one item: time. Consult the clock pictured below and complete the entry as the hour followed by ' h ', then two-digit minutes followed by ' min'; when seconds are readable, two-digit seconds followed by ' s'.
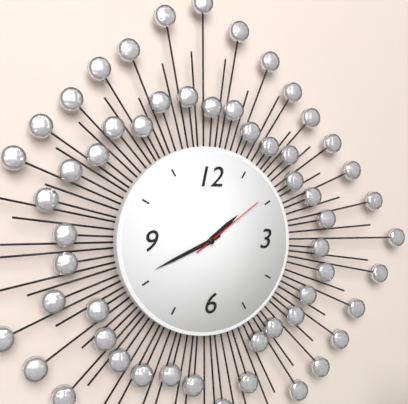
1 h 41 min 09 s
